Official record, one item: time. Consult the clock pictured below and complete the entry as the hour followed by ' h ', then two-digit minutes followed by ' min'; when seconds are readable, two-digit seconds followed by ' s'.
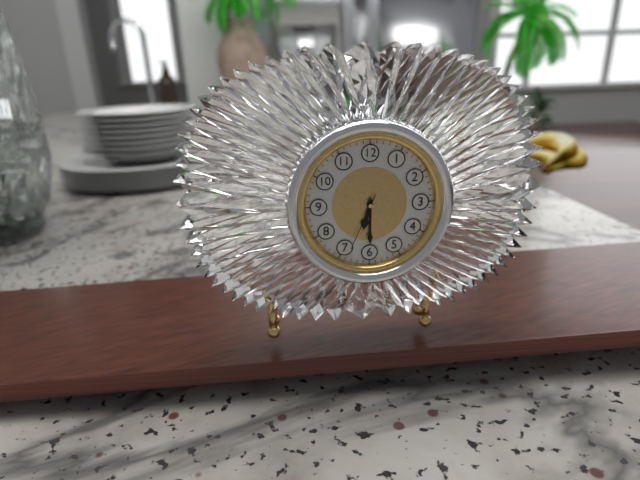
6 h 30 min 34 s
